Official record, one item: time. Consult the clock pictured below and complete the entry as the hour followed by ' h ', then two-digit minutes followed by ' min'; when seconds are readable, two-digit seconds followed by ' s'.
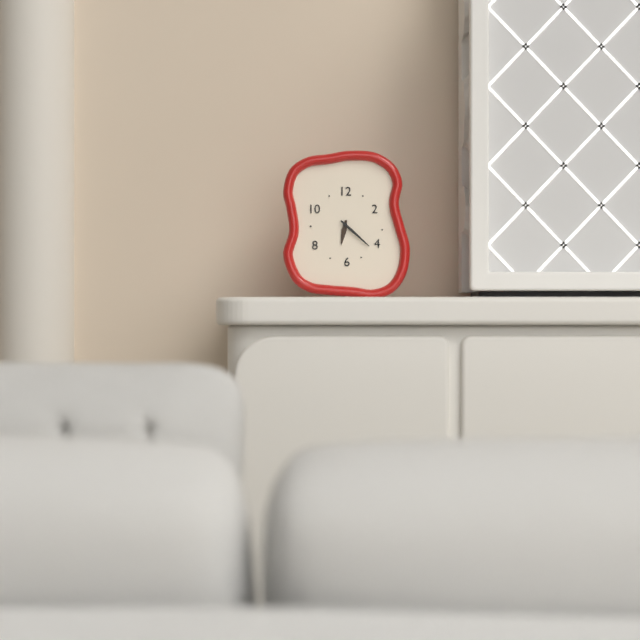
6 h 22 min
